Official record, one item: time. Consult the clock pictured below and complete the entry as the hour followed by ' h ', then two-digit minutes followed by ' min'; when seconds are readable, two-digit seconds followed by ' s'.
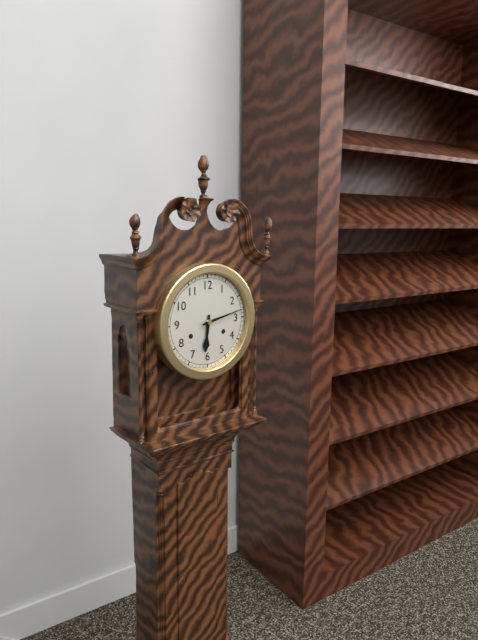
6 h 13 min
